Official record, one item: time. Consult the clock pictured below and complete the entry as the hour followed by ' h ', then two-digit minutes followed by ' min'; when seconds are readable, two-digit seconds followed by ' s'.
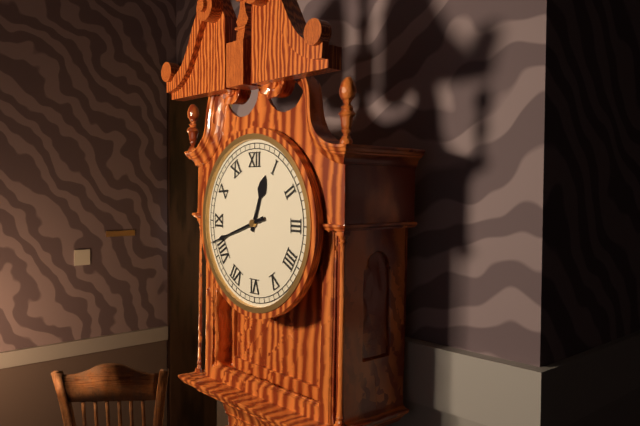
12 h 42 min
